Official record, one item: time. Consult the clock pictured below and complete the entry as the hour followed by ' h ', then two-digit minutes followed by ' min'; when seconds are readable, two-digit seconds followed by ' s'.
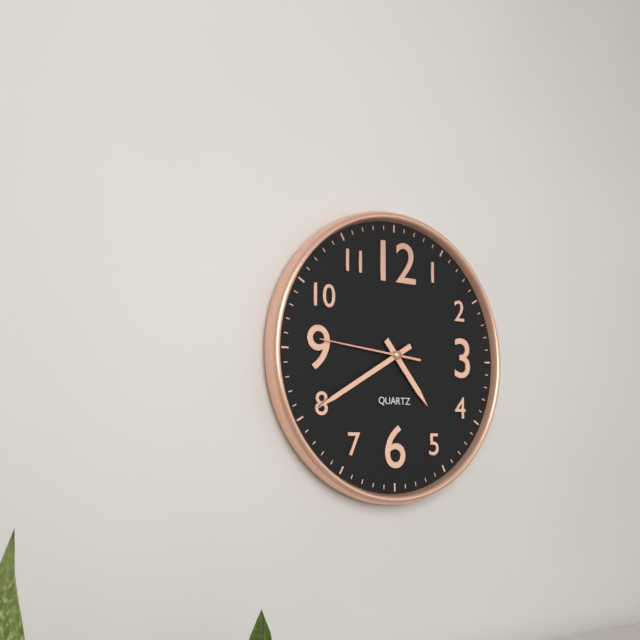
4 h 40 min 46 s
